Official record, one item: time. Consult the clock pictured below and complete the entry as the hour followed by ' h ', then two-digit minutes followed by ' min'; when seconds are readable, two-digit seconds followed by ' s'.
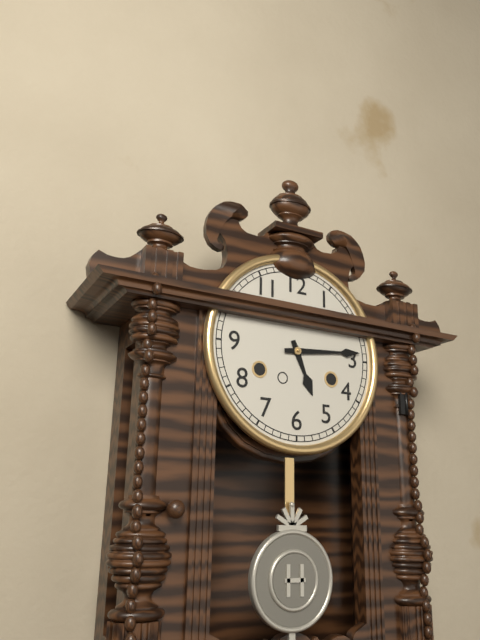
5 h 14 min
